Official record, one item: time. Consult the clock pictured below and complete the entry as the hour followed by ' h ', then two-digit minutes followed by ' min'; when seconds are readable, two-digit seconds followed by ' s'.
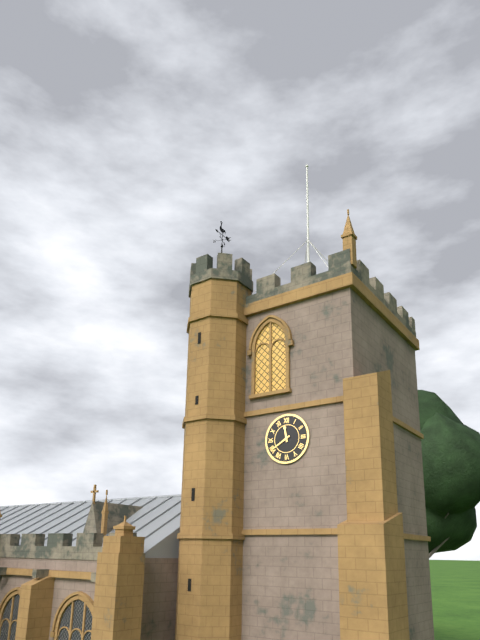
11 h 40 min
